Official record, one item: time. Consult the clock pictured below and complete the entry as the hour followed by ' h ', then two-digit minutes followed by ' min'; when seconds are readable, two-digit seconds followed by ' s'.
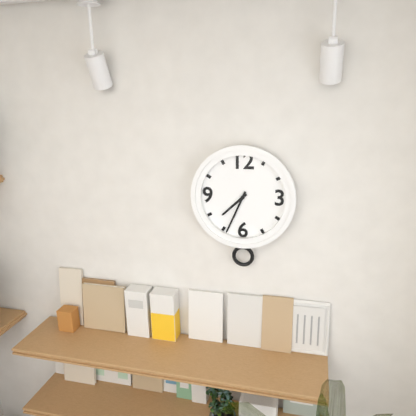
7 h 34 min
